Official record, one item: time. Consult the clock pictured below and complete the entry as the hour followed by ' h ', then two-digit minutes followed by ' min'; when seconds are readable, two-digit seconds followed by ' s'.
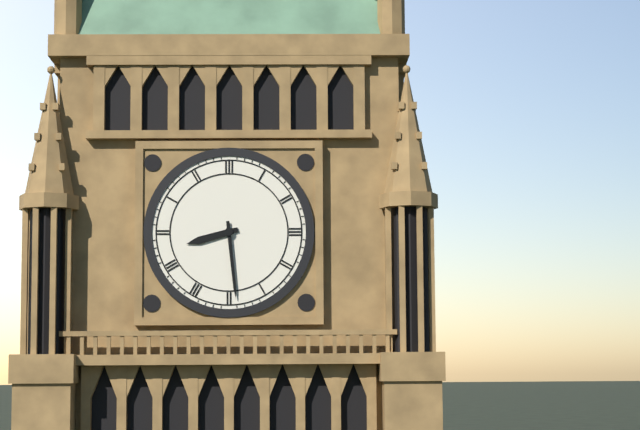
8 h 29 min
